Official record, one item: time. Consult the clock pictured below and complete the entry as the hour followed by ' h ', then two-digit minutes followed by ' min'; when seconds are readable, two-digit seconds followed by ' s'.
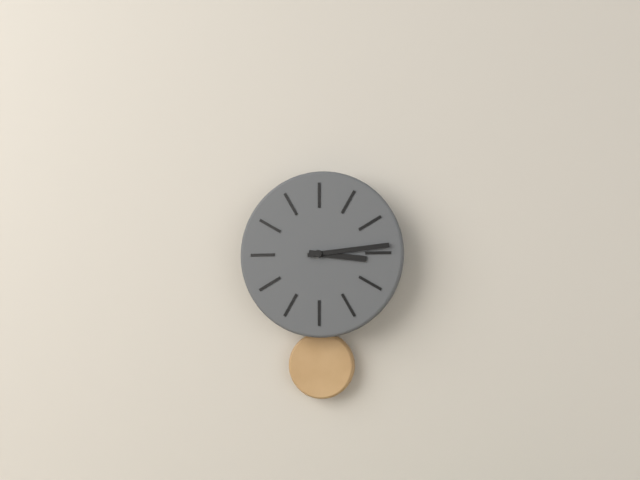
3 h 14 min
